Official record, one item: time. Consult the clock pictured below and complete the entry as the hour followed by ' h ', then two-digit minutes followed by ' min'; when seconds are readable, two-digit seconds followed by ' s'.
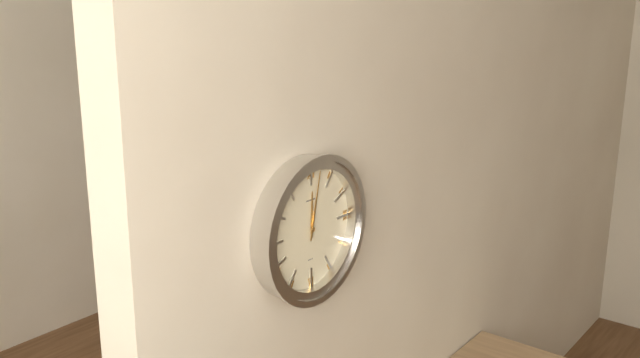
12 h 02 min
